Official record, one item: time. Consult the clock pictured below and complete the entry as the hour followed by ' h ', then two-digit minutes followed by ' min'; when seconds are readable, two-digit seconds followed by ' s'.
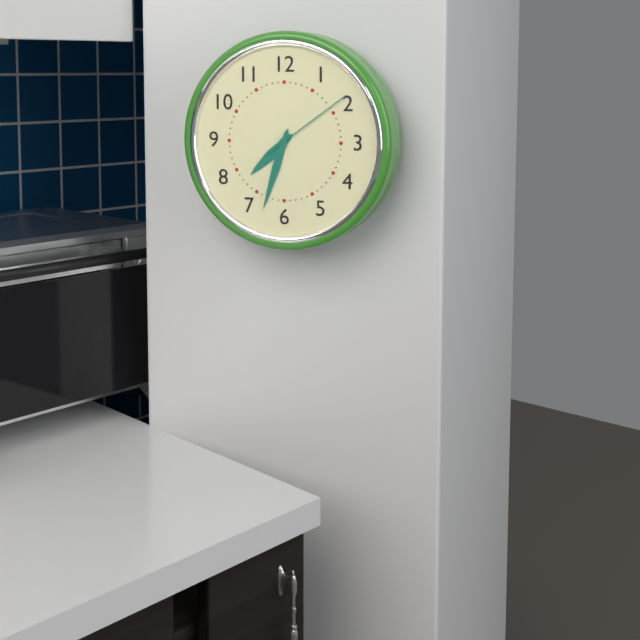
7 h 33 min 09 s
